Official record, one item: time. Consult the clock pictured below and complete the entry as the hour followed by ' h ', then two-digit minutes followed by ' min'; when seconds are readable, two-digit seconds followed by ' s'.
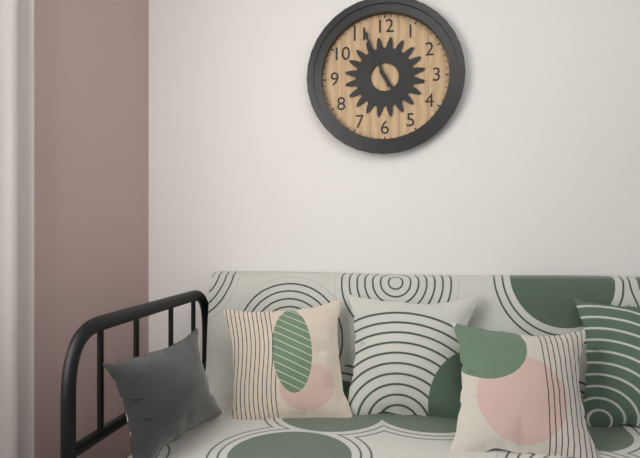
4 h 56 min
